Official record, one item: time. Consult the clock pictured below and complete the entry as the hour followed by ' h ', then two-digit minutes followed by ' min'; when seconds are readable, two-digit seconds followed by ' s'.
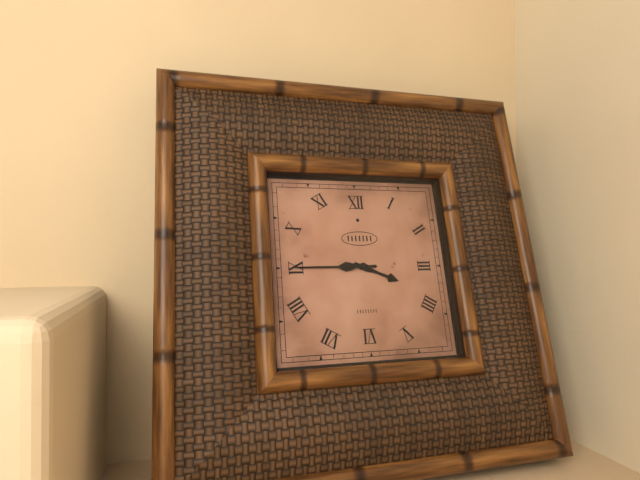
3 h 45 min
